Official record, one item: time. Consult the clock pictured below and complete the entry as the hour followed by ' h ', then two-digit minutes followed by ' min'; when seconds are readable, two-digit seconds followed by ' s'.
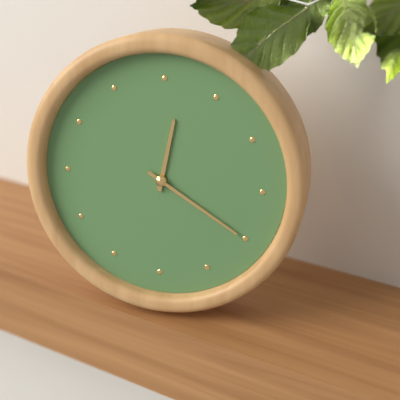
12 h 20 min
